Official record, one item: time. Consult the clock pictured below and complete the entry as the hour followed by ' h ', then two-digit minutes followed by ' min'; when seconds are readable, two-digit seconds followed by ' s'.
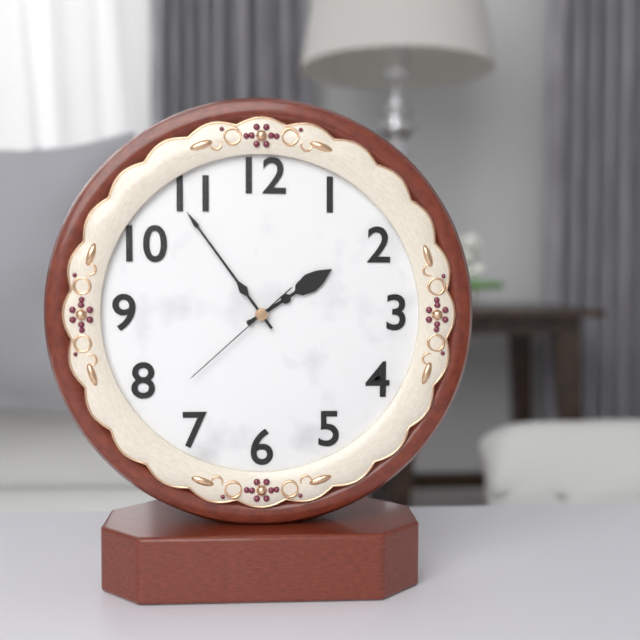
1 h 54 min 38 s
